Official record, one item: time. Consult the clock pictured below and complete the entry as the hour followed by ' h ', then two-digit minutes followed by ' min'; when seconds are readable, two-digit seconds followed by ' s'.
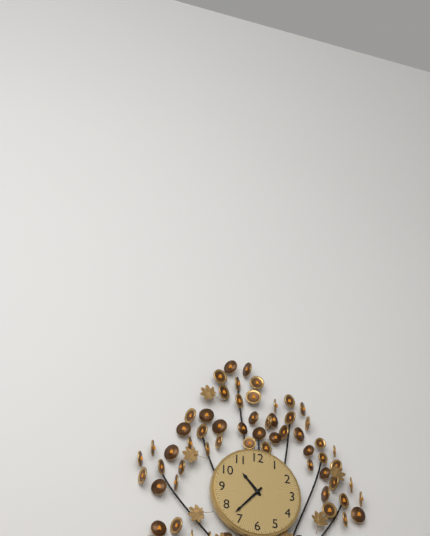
10 h 37 min
